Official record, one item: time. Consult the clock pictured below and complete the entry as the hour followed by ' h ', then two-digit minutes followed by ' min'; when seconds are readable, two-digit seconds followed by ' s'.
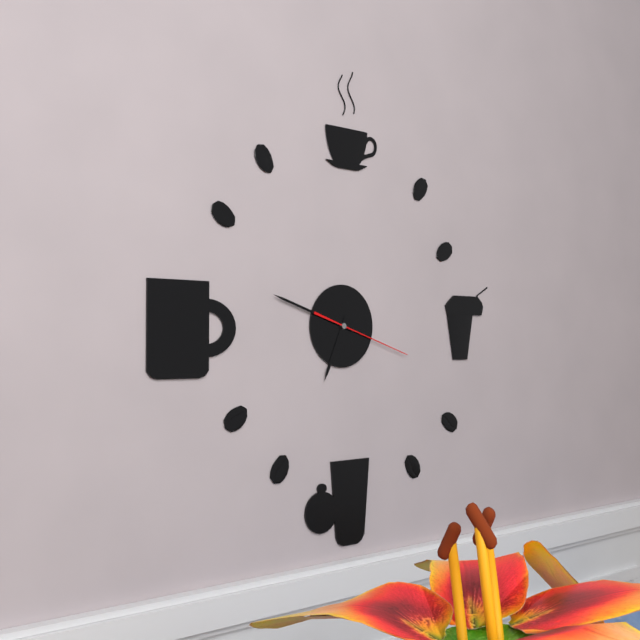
6 h 48 min 18 s
